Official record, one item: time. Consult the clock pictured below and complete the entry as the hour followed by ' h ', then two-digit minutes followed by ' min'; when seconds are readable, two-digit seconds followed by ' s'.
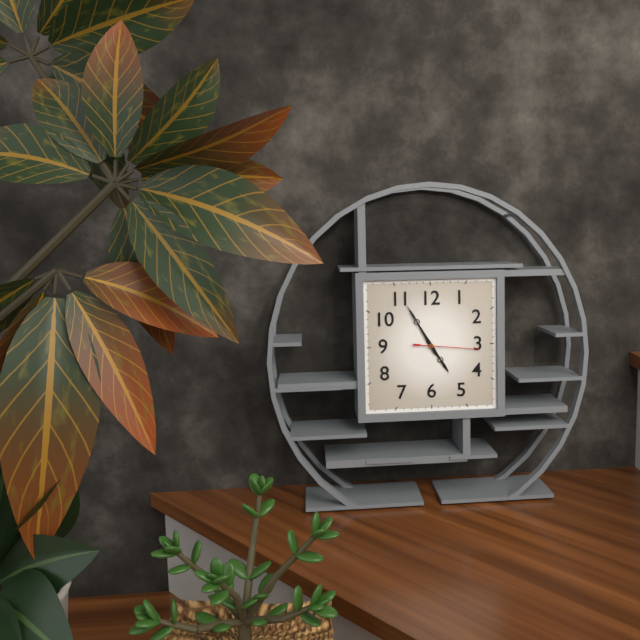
4 h 55 min 16 s
